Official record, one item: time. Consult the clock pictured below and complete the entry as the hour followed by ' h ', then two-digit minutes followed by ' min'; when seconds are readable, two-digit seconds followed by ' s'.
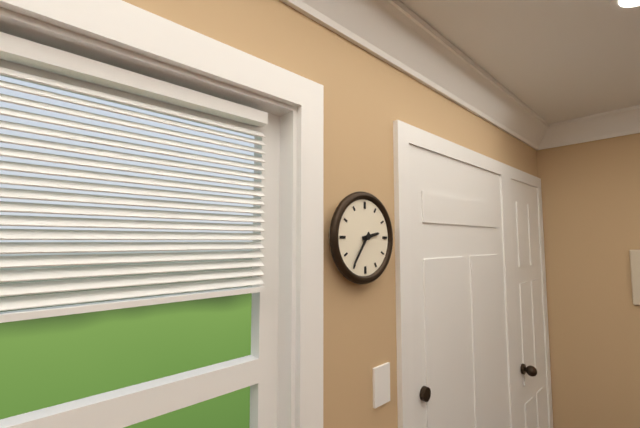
2 h 36 min
